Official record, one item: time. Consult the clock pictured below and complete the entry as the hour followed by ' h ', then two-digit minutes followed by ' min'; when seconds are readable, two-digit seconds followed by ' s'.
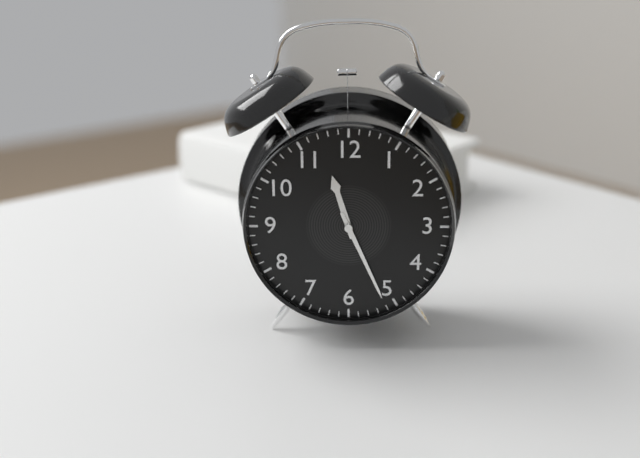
11 h 26 min
